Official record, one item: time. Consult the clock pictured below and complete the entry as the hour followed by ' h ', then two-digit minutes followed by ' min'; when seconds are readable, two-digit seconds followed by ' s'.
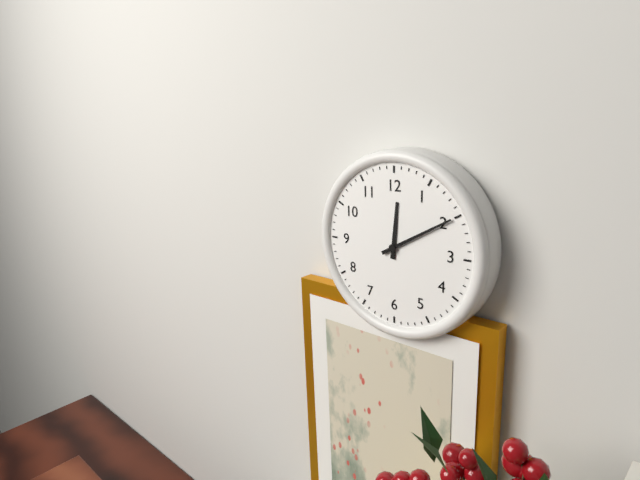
12 h 10 min
